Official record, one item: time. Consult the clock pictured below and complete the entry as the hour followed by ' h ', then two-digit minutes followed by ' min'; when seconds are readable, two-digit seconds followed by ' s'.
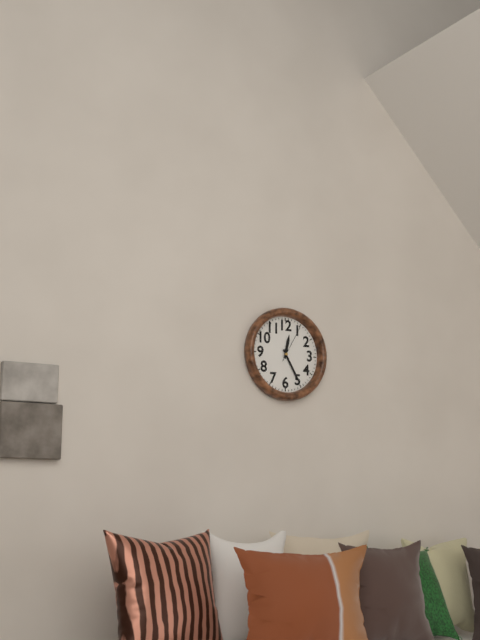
12 h 25 min
